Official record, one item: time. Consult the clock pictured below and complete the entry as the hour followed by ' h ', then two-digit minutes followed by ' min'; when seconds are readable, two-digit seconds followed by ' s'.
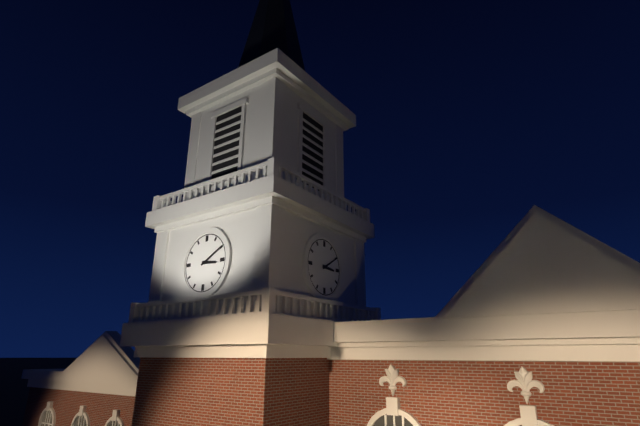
3 h 10 min
